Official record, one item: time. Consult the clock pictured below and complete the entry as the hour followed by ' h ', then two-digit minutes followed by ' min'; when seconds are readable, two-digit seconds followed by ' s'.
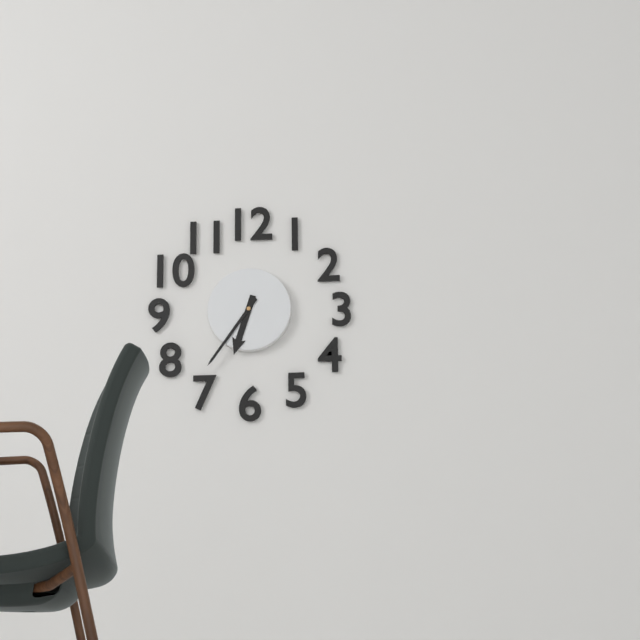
6 h 36 min
